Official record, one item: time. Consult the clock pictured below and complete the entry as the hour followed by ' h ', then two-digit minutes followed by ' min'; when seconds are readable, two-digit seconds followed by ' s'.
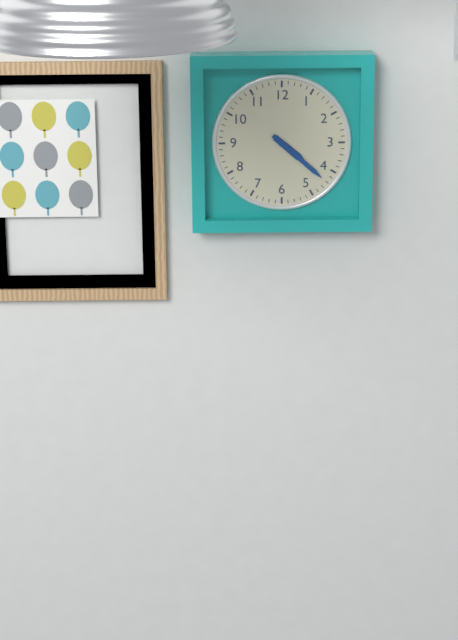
4 h 22 min
